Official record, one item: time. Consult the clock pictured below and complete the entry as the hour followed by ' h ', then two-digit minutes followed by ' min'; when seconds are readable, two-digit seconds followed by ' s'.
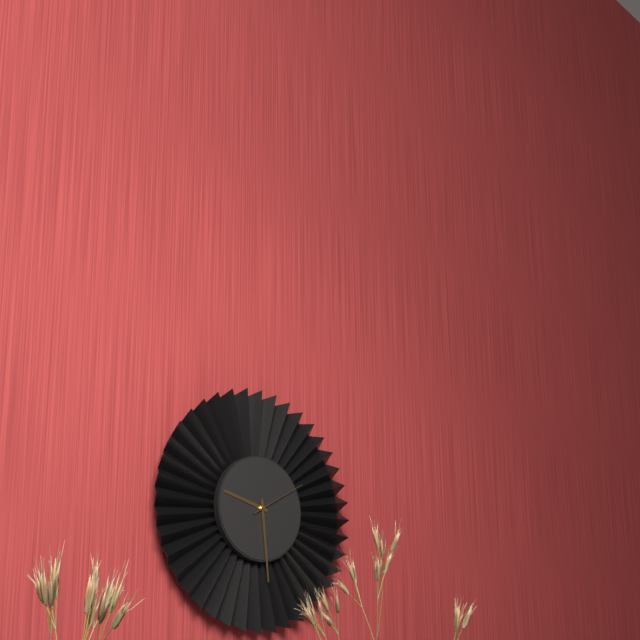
9 h 29 min 10 s
